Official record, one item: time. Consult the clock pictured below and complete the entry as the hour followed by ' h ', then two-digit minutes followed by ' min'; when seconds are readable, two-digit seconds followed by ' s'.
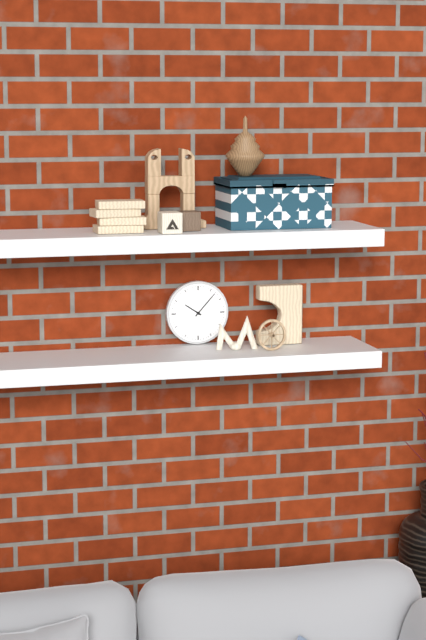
10 h 07 min
